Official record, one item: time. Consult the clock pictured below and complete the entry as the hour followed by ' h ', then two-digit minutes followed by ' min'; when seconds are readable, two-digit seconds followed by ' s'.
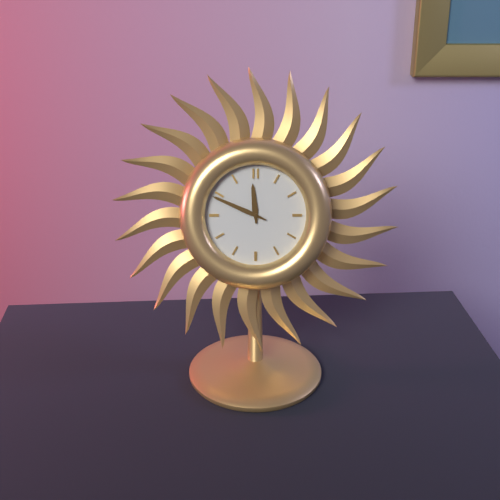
11 h 49 min
